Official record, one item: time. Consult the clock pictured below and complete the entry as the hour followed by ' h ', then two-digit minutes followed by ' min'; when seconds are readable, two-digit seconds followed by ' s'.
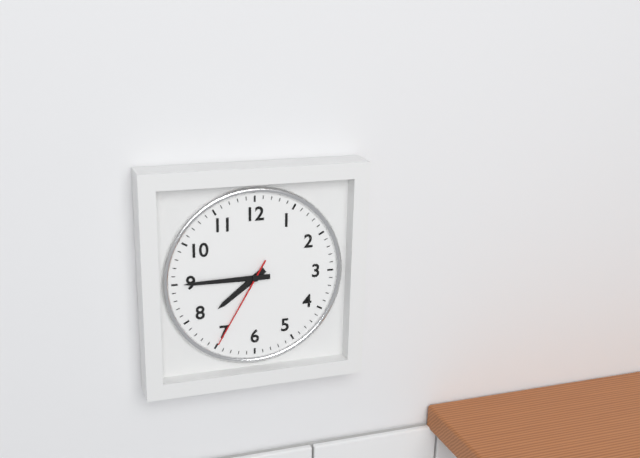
7 h 45 min 35 s
